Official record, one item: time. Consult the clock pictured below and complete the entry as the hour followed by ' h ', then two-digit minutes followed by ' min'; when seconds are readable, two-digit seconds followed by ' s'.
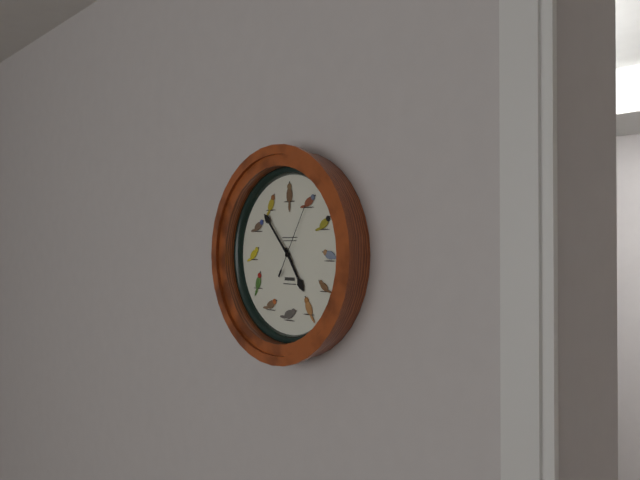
4 h 53 min 05 s
